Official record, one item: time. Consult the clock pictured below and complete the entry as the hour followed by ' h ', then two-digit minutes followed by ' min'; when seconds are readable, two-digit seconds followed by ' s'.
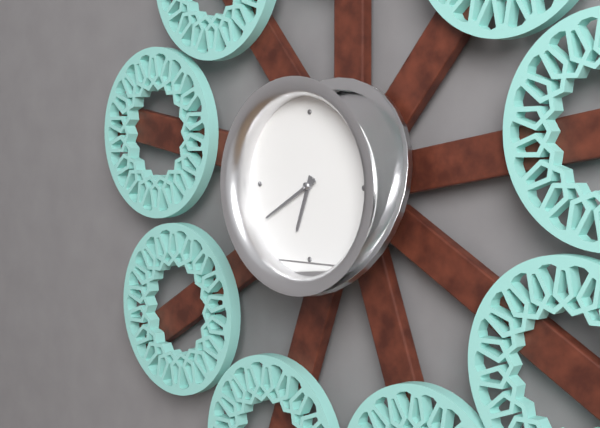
6 h 40 min
